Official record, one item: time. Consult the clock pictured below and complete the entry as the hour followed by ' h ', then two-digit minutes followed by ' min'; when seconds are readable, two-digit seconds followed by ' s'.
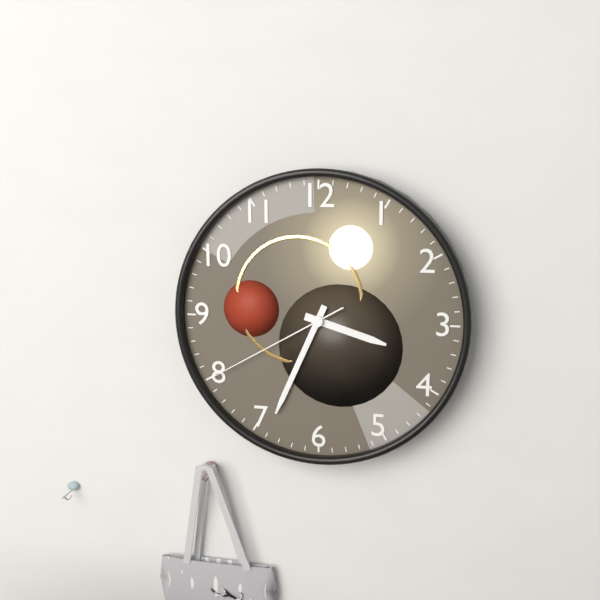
3 h 34 min 40 s
